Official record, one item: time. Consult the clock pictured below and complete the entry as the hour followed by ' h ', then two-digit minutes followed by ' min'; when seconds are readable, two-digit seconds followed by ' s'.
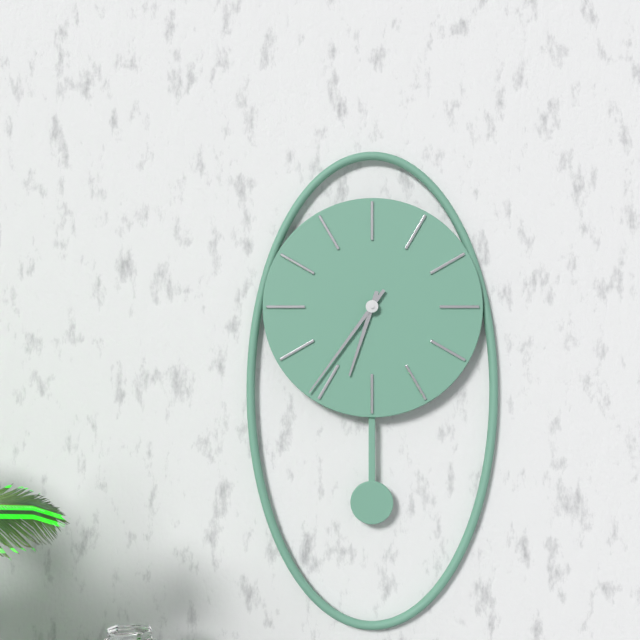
6 h 36 min
